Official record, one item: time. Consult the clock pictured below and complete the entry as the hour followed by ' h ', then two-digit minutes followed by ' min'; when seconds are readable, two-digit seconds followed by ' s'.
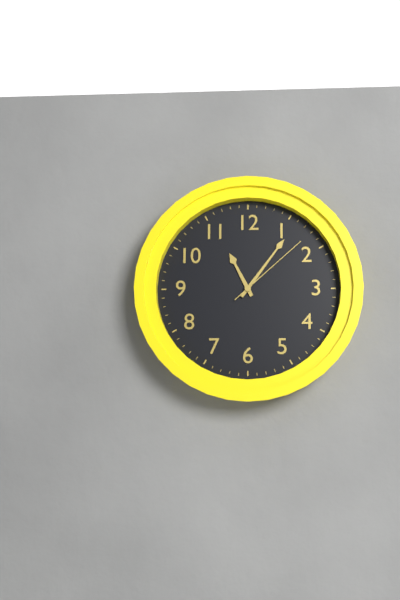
11 h 06 min 08 s
